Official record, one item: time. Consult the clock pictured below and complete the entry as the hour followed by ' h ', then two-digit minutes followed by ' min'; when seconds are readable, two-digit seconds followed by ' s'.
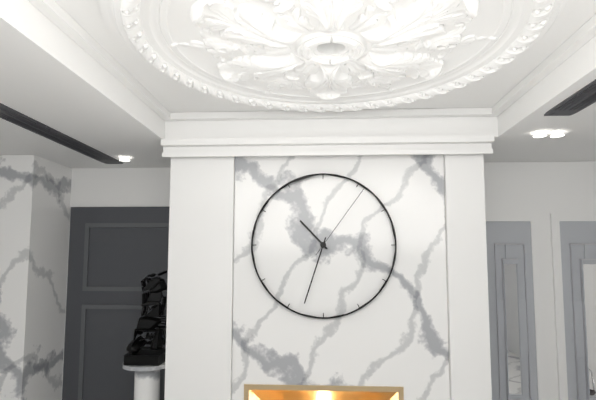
10 h 33 min 06 s
